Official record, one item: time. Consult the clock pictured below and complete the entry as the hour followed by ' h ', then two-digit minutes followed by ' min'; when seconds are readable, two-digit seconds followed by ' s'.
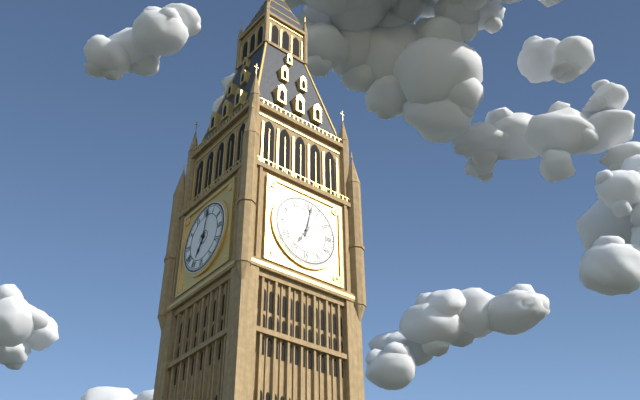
7 h 02 min
